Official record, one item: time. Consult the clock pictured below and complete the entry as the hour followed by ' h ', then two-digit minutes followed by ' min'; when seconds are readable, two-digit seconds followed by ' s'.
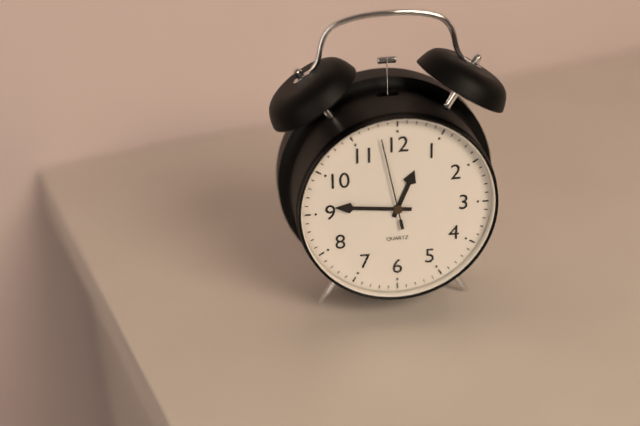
12 h 46 min 58 s
